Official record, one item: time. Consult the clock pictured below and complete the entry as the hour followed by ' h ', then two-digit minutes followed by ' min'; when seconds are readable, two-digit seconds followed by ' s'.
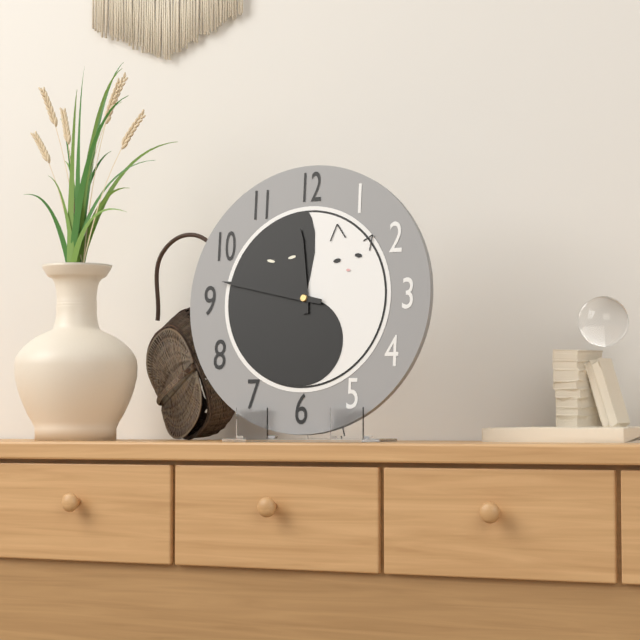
11 h 47 min
